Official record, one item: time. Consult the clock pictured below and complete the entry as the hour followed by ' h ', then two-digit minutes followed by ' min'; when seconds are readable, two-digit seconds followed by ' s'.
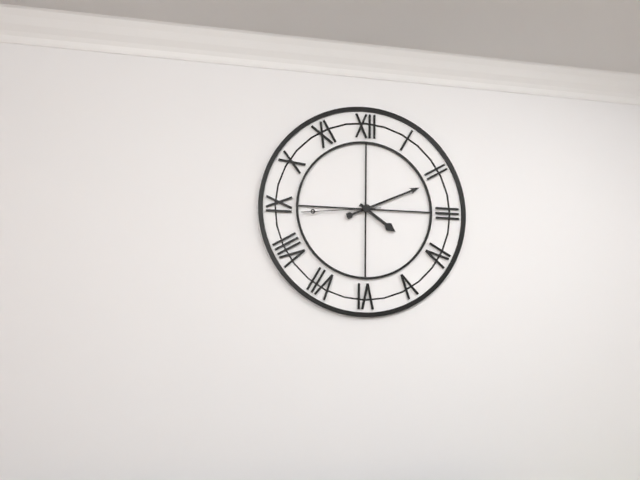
4 h 11 min 44 s
